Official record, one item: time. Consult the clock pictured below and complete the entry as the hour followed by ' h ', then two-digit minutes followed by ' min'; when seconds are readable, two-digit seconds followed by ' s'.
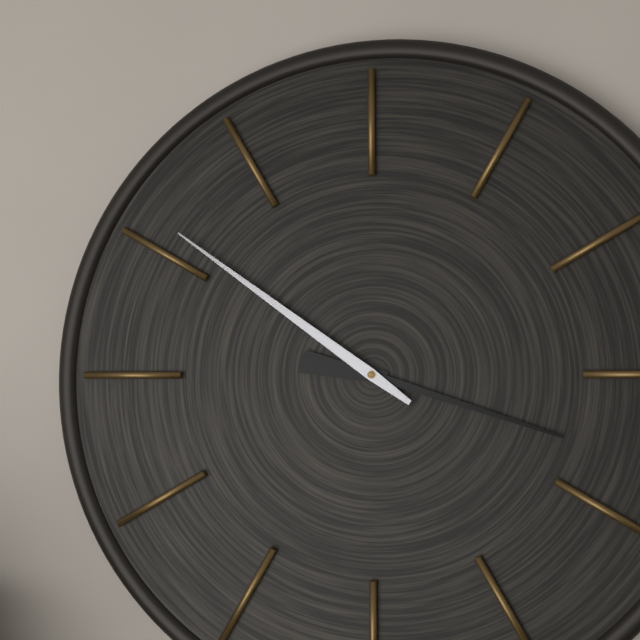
9 h 18 min 51 s
